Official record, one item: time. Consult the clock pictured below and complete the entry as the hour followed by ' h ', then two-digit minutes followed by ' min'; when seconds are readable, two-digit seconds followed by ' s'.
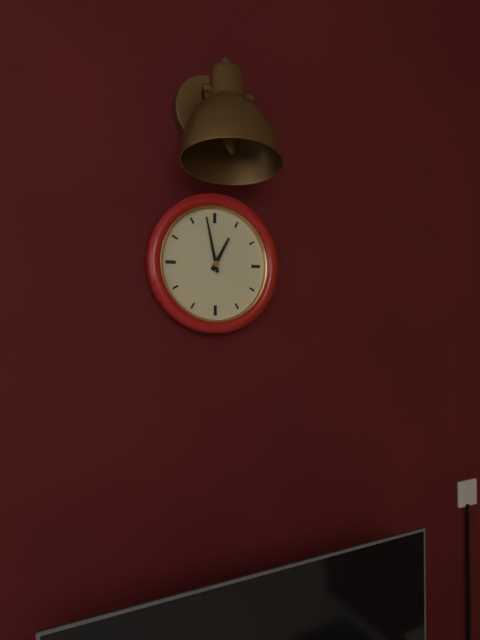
12 h 58 min
